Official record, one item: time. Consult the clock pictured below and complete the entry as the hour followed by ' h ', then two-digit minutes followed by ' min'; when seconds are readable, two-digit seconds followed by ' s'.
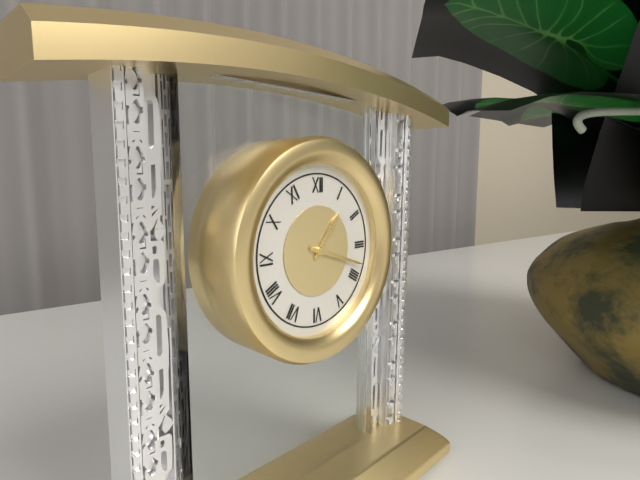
1 h 18 min
